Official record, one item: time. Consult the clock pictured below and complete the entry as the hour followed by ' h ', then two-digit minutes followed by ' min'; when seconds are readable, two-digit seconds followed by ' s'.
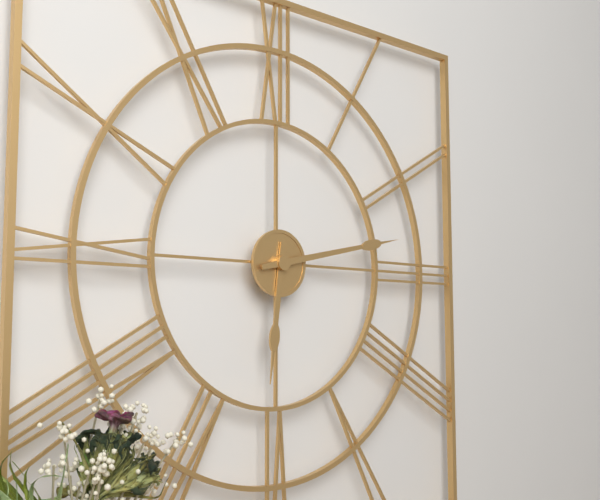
6 h 13 min
